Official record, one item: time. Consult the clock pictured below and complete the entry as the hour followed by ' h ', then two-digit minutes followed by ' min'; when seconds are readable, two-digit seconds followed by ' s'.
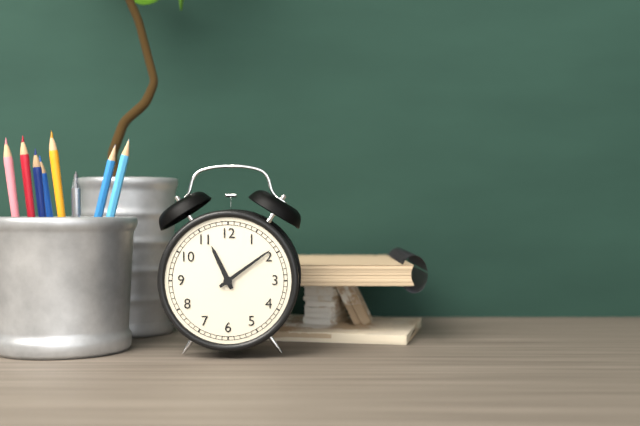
11 h 09 min
